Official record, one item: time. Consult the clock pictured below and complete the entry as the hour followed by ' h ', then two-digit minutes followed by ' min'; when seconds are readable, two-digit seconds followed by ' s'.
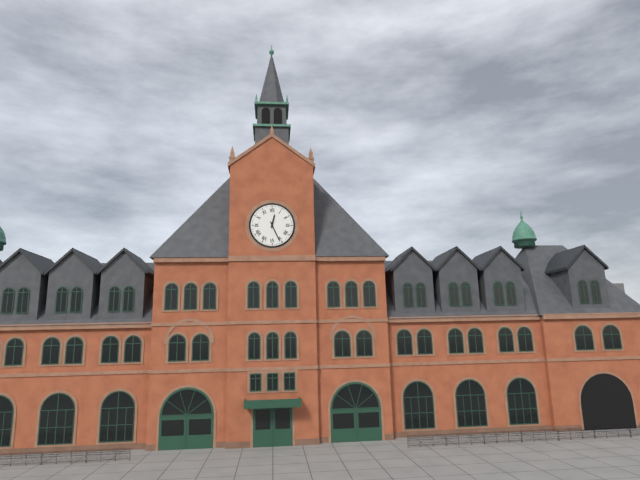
12 h 26 min
